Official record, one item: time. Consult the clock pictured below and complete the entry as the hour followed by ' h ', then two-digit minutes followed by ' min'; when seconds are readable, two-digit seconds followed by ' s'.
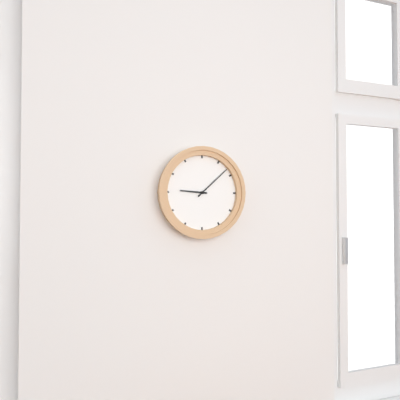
9 h 08 min
